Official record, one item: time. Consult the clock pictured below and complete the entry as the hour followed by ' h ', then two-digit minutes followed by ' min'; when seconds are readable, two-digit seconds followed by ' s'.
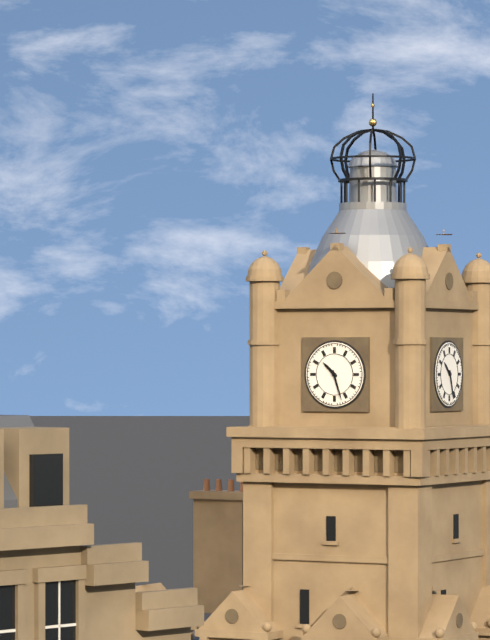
10 h 27 min
